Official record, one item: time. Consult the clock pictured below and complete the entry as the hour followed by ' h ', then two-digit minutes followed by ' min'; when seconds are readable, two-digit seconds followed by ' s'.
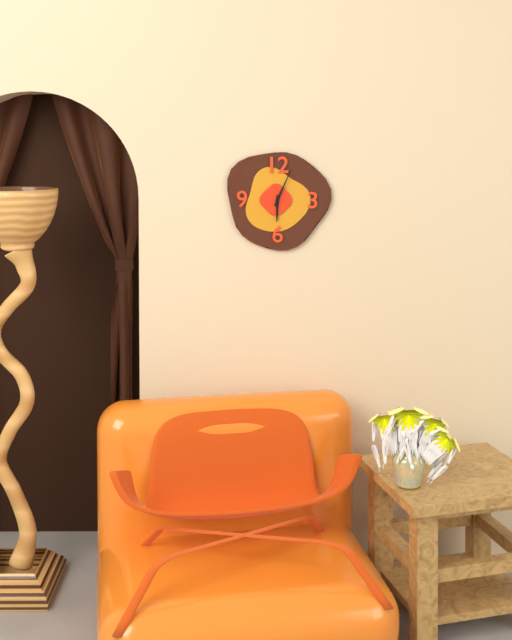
6 h 04 min
